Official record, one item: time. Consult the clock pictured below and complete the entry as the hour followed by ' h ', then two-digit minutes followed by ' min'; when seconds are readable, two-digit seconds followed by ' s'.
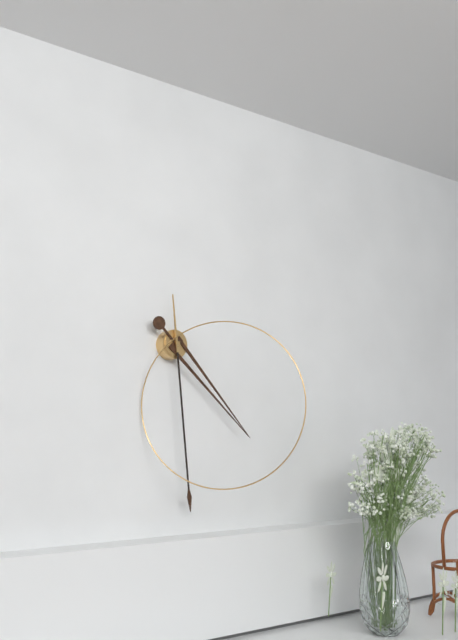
4 h 29 min
